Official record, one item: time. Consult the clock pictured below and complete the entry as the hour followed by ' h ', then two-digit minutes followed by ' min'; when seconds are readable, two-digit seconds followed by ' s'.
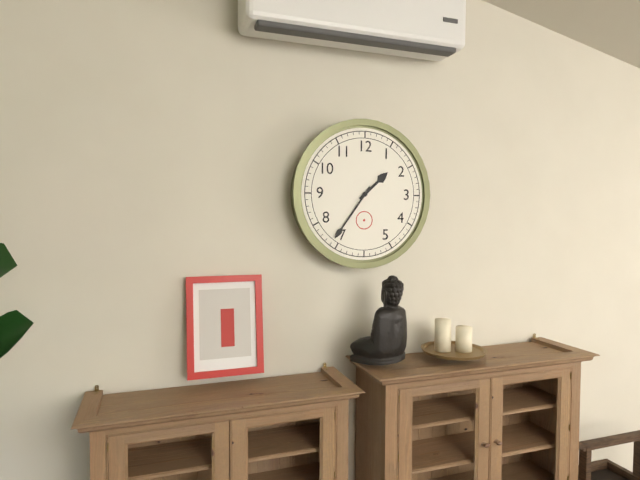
1 h 36 min
